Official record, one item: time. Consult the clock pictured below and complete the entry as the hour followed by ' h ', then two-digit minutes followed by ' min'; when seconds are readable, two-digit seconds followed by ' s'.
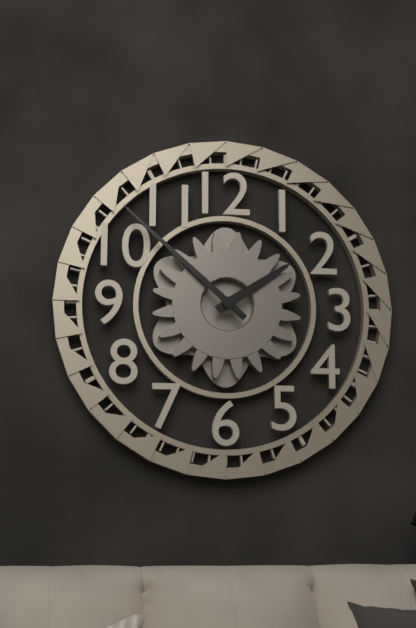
1 h 52 min
